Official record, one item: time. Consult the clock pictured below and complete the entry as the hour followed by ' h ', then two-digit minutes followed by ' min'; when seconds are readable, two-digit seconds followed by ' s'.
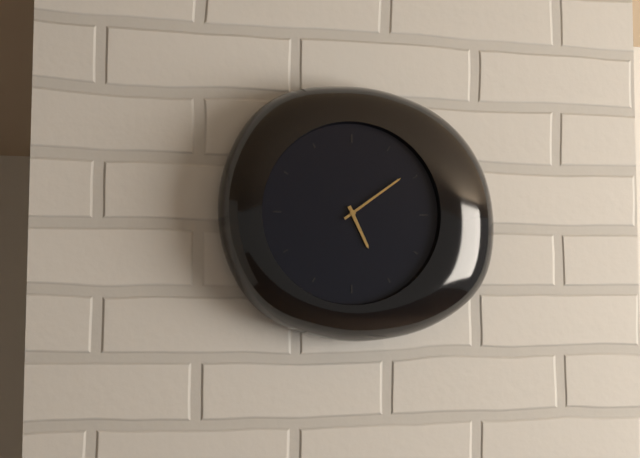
5 h 09 min
